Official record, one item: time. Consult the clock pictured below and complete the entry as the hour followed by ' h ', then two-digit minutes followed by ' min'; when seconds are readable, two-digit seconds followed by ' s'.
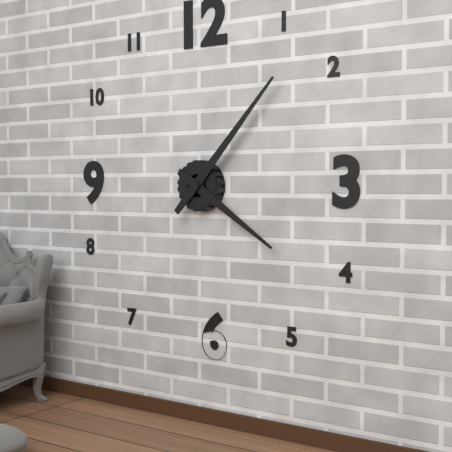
4 h 07 min
